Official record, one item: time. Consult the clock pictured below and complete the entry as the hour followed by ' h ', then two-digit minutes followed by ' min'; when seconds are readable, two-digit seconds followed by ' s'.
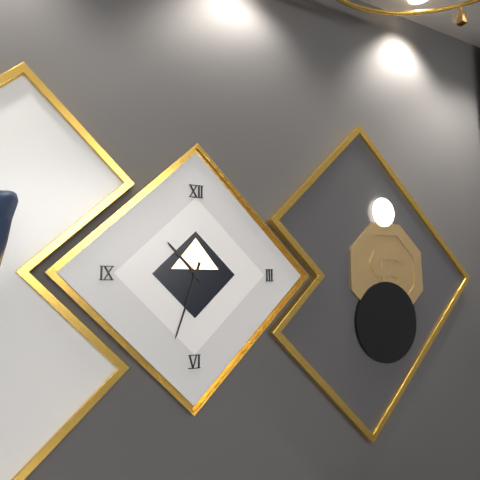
10 h 33 min
